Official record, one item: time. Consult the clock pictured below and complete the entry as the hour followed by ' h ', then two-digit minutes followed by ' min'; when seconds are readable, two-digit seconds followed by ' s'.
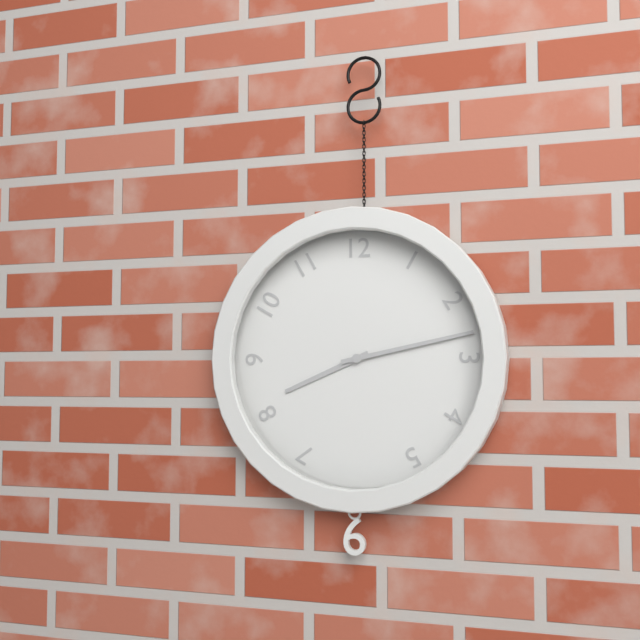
8 h 13 min
